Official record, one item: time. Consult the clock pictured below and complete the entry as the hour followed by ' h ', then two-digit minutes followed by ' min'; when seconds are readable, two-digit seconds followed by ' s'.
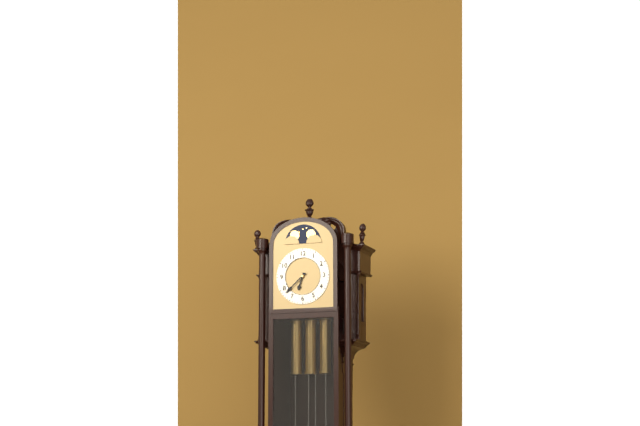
6 h 38 min
